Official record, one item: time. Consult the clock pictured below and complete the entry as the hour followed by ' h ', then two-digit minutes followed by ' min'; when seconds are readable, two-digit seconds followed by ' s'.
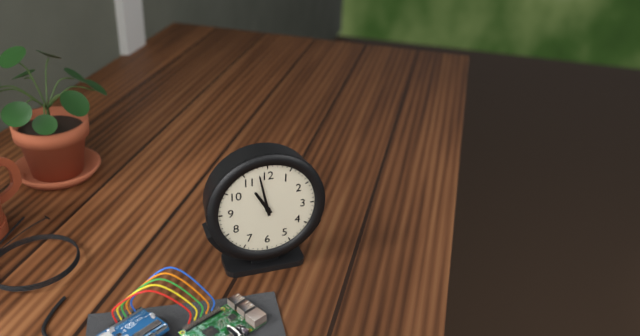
10 h 58 min
